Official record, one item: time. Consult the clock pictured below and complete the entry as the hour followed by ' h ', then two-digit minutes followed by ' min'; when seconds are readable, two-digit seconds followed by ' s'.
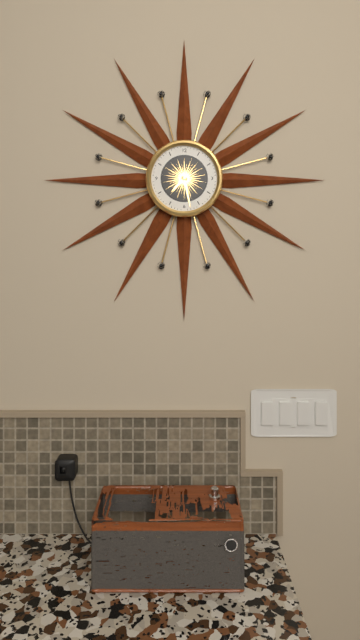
7 h 28 min
